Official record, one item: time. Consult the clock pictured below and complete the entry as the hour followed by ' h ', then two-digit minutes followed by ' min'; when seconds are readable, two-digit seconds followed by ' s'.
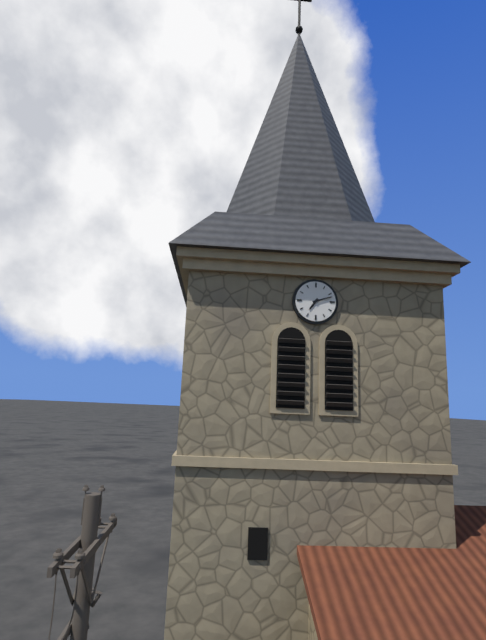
7 h 12 min
